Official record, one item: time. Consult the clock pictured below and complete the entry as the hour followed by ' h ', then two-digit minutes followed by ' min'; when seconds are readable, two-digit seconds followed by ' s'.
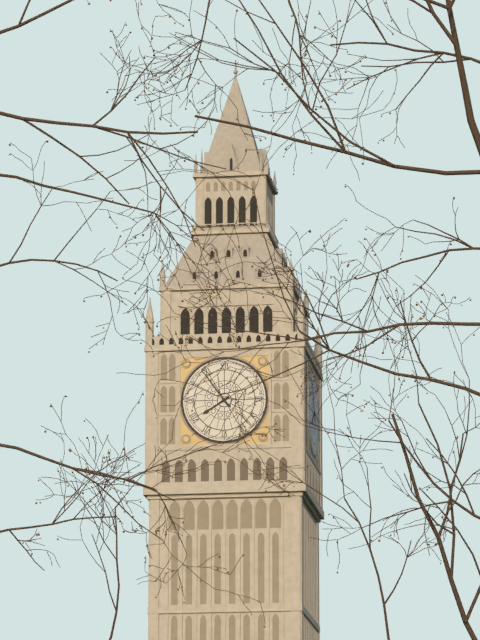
7 h 54 min
